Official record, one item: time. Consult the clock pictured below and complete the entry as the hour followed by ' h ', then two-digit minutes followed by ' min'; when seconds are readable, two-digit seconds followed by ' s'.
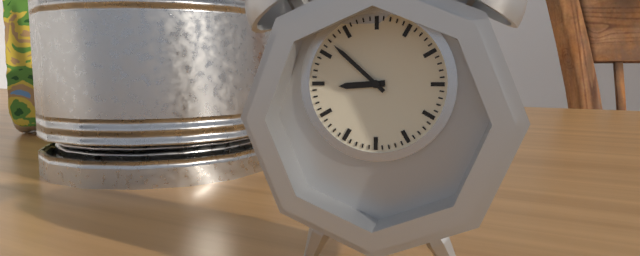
8 h 52 min
